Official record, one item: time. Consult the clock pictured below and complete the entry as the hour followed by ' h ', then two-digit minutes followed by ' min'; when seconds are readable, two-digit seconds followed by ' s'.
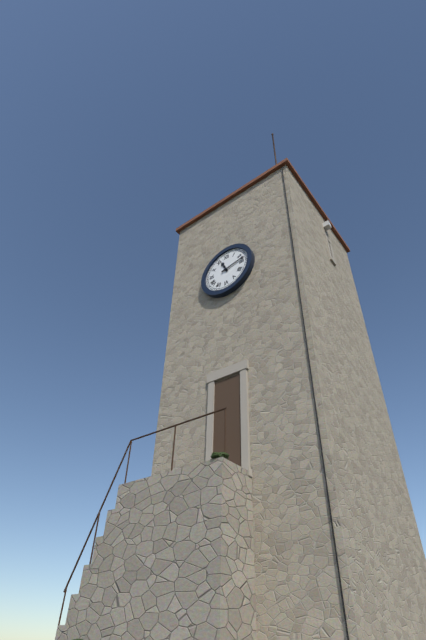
11 h 13 min
